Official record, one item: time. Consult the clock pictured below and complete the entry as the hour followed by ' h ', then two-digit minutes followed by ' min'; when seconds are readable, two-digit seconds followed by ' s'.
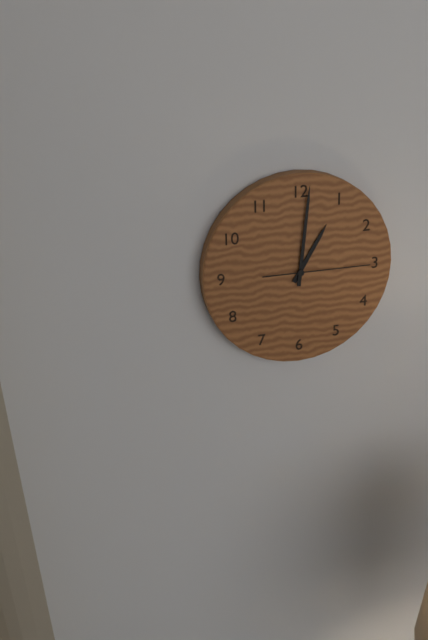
1 h 01 min 15 s
